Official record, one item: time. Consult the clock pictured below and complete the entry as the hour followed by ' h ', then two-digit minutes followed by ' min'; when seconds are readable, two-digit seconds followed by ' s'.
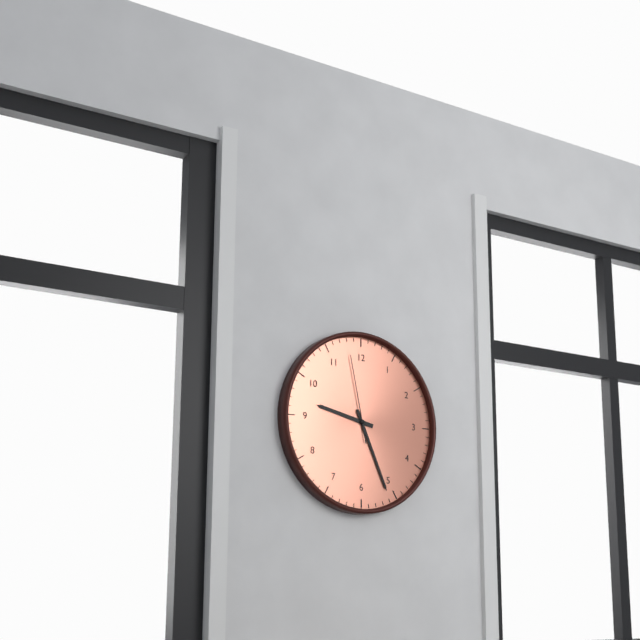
9 h 26 min 58 s
